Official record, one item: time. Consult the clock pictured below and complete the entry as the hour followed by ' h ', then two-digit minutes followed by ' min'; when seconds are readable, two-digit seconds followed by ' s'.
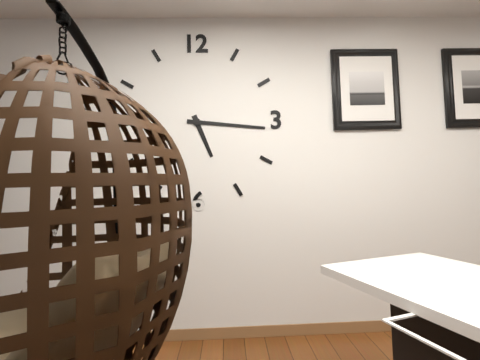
5 h 16 min
